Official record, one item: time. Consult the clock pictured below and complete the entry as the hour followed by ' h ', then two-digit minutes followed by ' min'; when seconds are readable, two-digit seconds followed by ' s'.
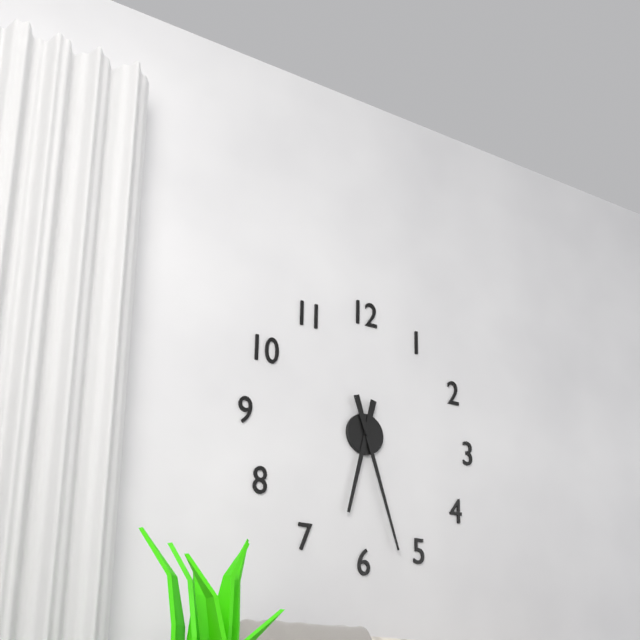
6 h 27 min
